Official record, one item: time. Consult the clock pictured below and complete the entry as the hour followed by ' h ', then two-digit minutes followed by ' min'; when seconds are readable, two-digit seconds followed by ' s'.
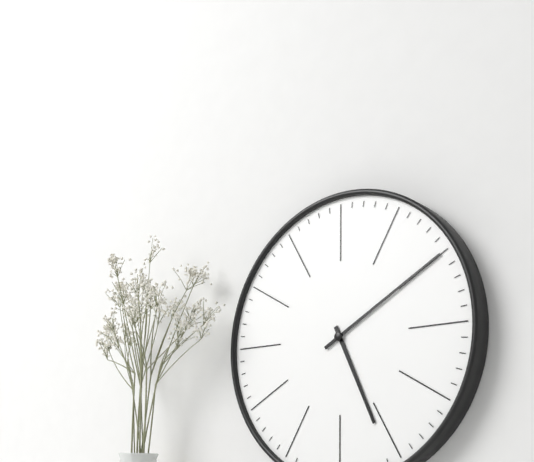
5 h 10 min
